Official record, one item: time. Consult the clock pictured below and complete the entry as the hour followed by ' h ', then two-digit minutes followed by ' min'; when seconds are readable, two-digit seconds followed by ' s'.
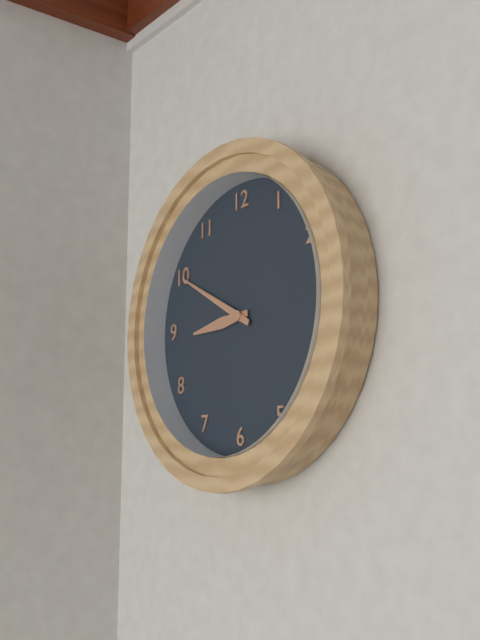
8 h 50 min
